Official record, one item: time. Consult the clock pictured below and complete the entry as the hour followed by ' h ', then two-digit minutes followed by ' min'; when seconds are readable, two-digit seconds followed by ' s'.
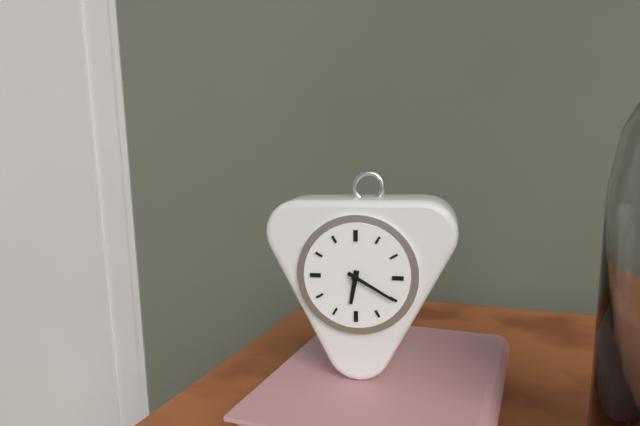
6 h 20 min
